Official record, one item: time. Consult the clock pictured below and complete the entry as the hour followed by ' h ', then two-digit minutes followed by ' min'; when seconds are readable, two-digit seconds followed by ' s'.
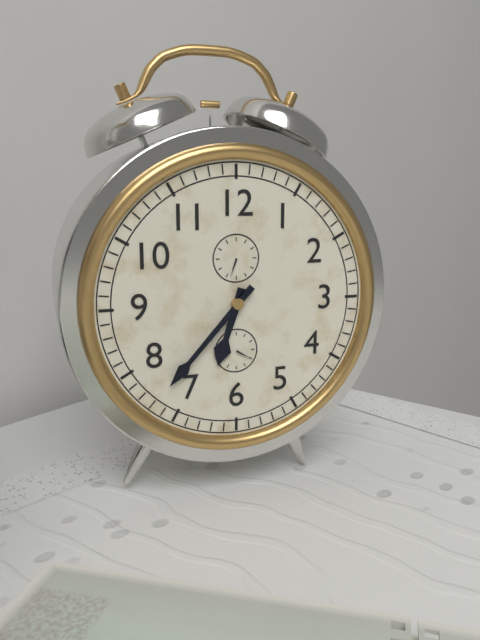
6 h 37 min
